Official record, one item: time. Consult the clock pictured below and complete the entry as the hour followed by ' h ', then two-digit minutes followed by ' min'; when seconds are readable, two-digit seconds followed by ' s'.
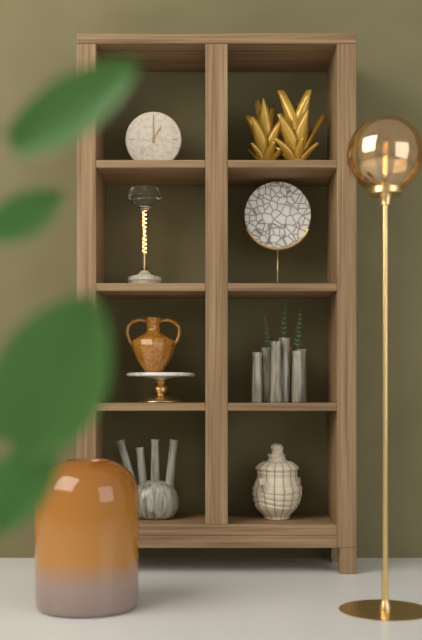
1 h 00 min
